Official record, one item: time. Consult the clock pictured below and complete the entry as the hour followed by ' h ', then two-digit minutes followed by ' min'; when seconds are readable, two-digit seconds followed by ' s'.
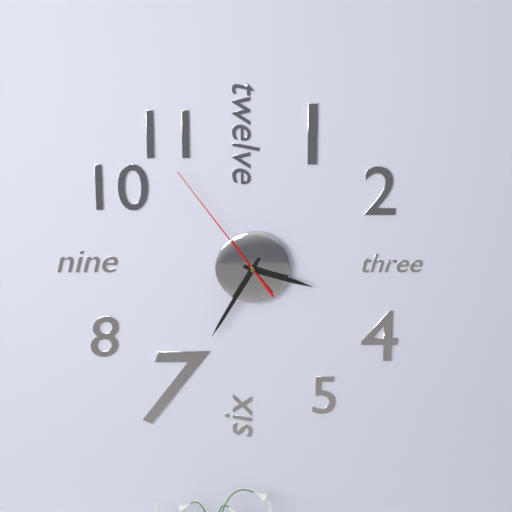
3 h 35 min 54 s
